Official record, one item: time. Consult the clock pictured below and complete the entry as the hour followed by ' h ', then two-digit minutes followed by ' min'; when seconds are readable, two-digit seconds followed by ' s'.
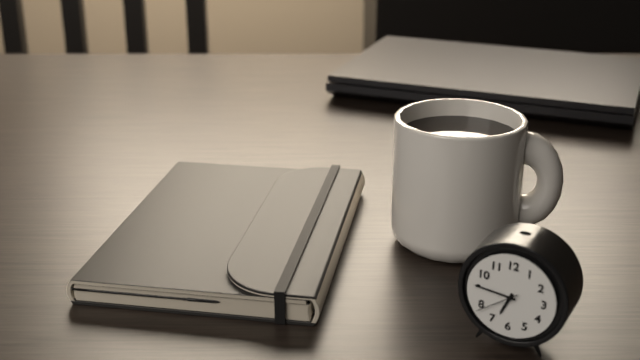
6 h 46 min
